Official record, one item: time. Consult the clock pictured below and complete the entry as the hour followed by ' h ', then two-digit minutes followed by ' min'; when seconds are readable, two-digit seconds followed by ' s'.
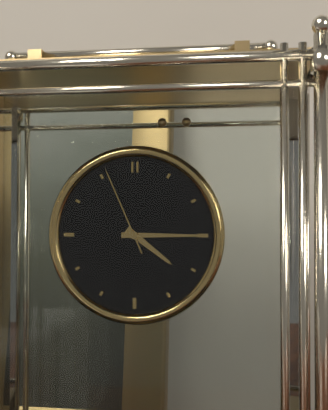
4 h 15 min 56 s
